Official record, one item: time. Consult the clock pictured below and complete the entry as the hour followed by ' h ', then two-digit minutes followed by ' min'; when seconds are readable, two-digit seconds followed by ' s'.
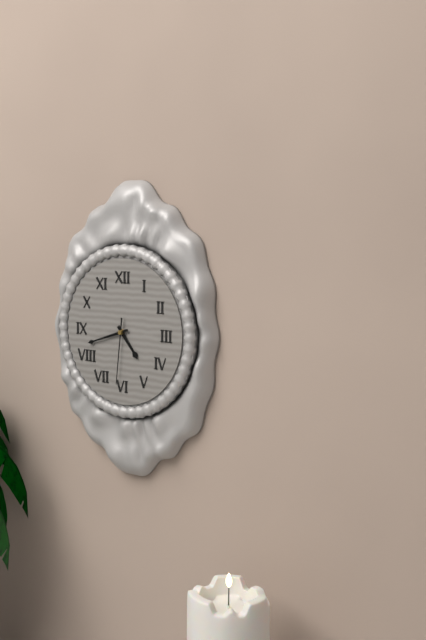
4 h 42 min 31 s
